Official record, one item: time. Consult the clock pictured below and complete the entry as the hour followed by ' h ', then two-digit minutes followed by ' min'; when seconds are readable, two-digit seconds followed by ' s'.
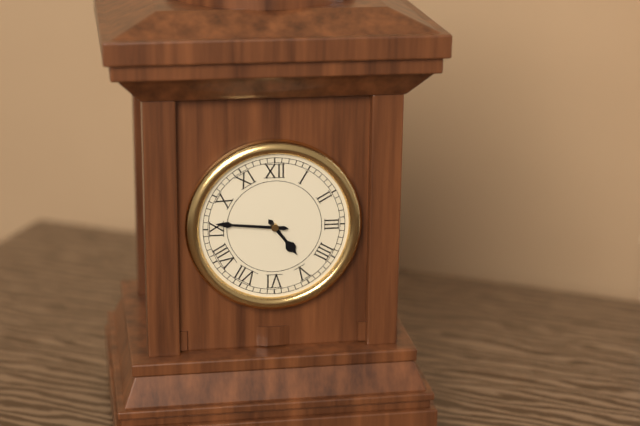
4 h 46 min
